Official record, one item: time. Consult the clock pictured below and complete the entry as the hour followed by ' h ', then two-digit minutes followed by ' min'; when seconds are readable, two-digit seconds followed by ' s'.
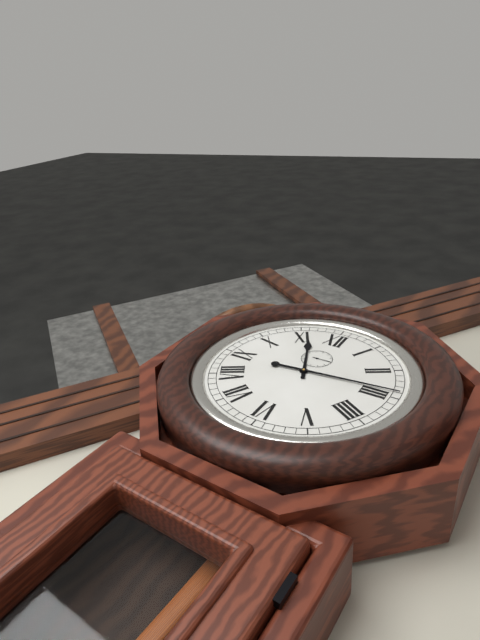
11 h 14 min
